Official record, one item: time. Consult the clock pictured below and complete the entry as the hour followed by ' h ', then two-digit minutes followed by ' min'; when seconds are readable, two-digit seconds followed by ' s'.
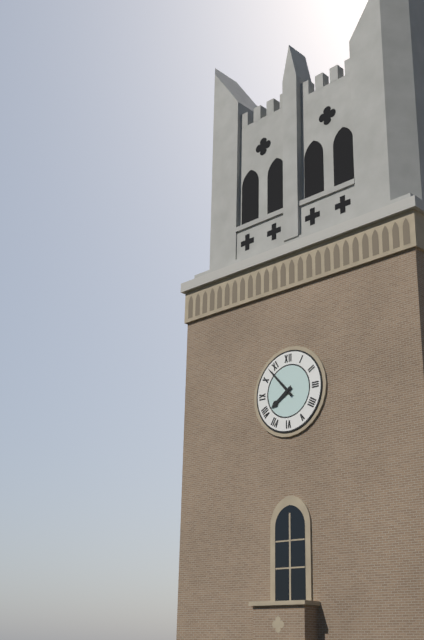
7 h 53 min
